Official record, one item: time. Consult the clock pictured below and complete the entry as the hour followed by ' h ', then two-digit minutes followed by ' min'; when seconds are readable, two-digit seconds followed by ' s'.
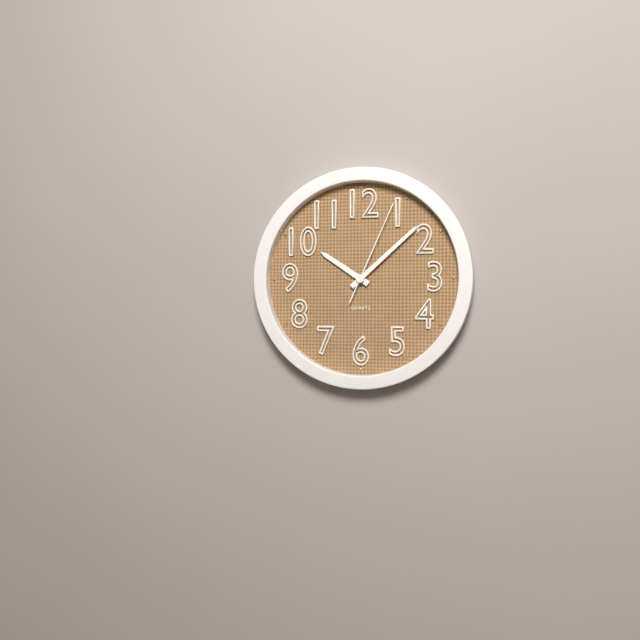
10 h 08 min 04 s
